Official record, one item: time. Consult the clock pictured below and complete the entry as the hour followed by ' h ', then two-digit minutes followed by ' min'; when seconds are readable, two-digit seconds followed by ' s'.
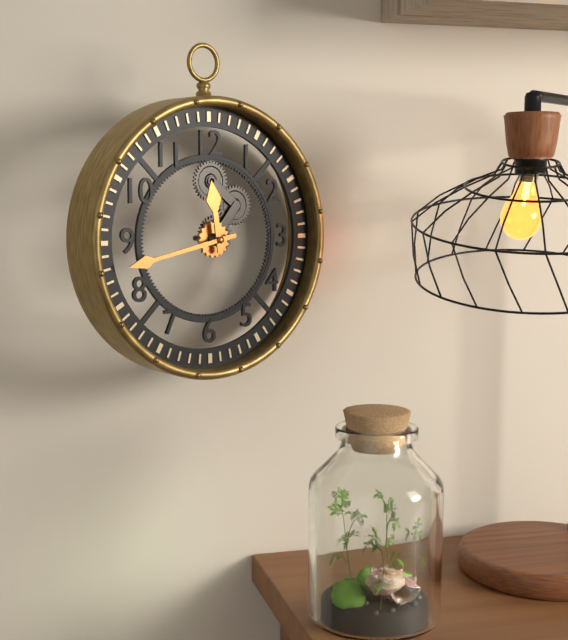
11 h 43 min
